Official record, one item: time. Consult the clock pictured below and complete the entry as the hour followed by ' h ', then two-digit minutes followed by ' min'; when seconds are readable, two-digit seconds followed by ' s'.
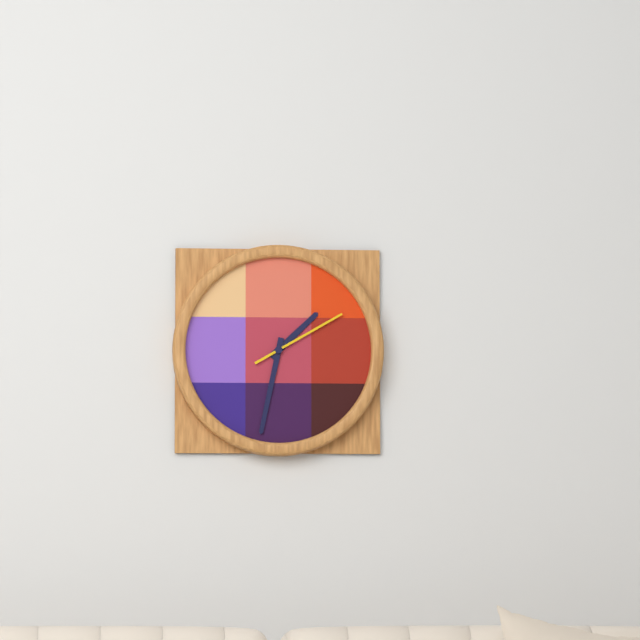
1 h 32 min 10 s
